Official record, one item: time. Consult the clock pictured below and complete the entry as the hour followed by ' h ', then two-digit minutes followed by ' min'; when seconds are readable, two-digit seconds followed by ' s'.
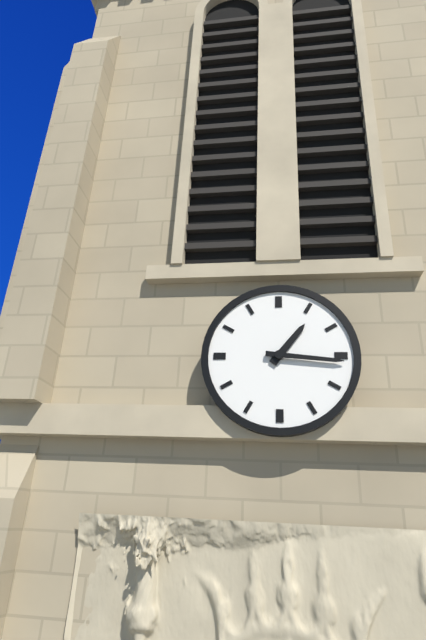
1 h 16 min
